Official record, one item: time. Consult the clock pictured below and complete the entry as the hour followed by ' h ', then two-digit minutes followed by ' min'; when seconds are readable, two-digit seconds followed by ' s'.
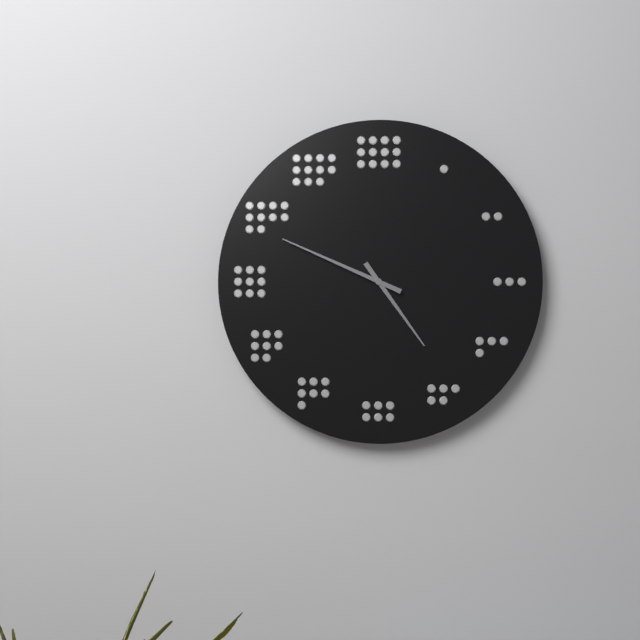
4 h 49 min
